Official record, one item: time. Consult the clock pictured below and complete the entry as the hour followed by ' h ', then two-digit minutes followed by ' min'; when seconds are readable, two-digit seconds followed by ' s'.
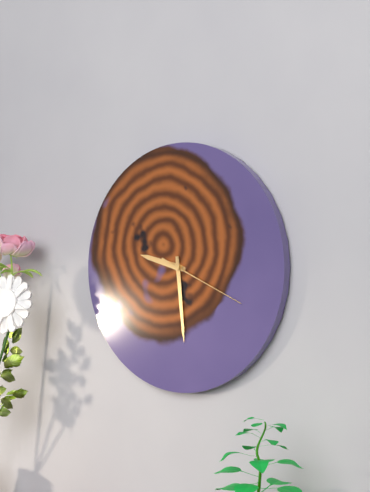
9 h 29 min 19 s
